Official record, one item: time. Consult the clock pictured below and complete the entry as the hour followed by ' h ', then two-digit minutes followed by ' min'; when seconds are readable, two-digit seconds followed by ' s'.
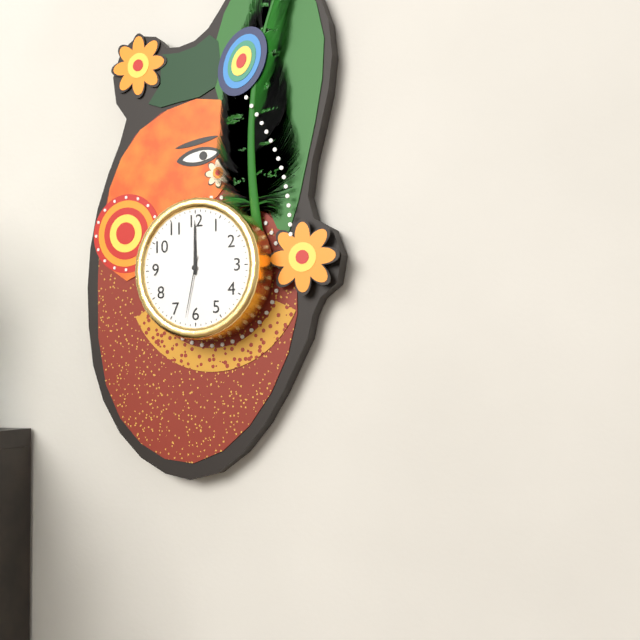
12 h 00 min 32 s
